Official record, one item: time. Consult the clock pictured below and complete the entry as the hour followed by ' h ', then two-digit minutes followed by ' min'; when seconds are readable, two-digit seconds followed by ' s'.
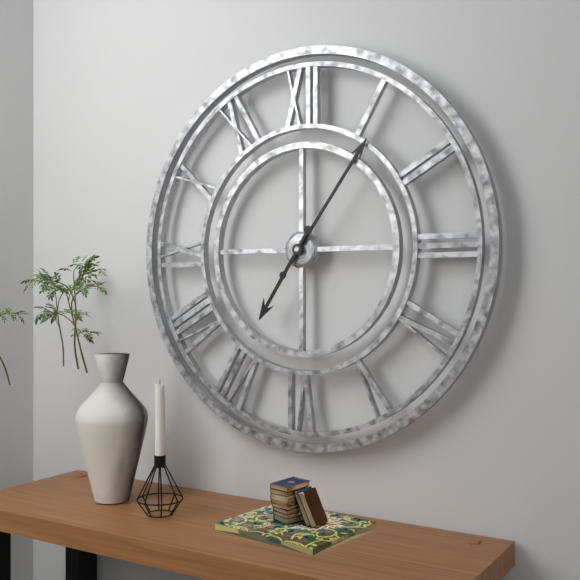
7 h 06 min
